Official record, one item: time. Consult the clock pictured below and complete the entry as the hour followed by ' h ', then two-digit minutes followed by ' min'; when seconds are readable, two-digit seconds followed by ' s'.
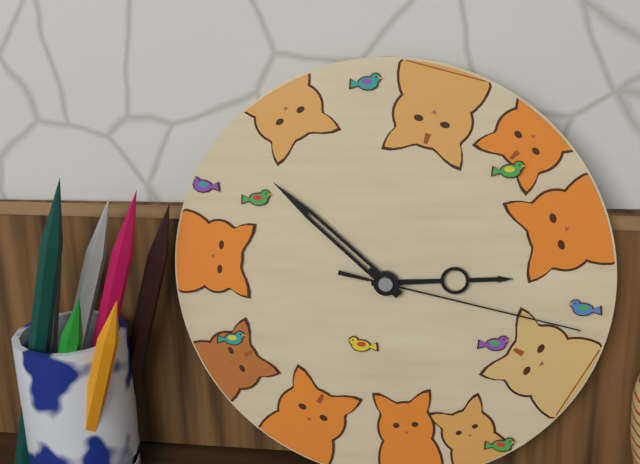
2 h 52 min 17 s
